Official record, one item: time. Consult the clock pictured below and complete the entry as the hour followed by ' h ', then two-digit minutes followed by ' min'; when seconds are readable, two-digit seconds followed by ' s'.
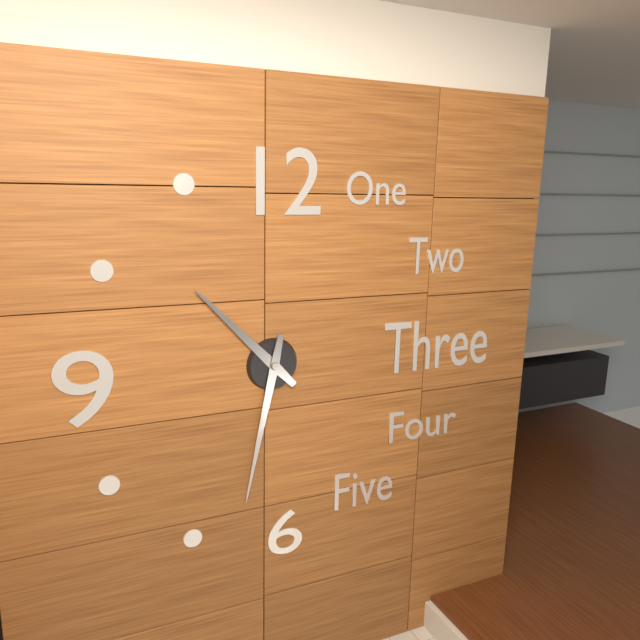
10 h 32 min
